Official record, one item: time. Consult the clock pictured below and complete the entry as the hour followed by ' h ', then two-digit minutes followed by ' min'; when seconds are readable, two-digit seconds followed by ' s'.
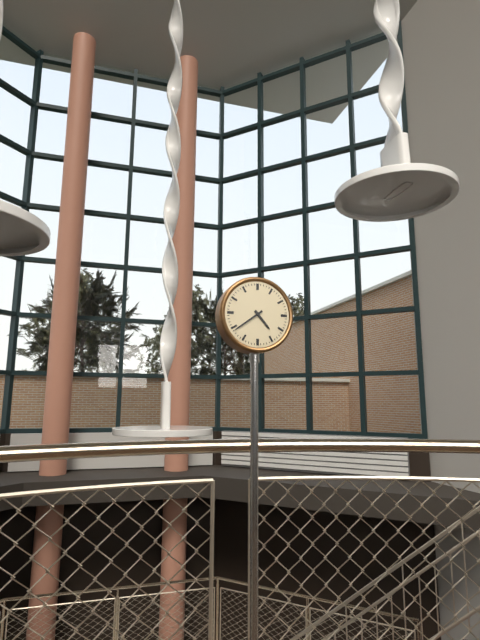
4 h 39 min
